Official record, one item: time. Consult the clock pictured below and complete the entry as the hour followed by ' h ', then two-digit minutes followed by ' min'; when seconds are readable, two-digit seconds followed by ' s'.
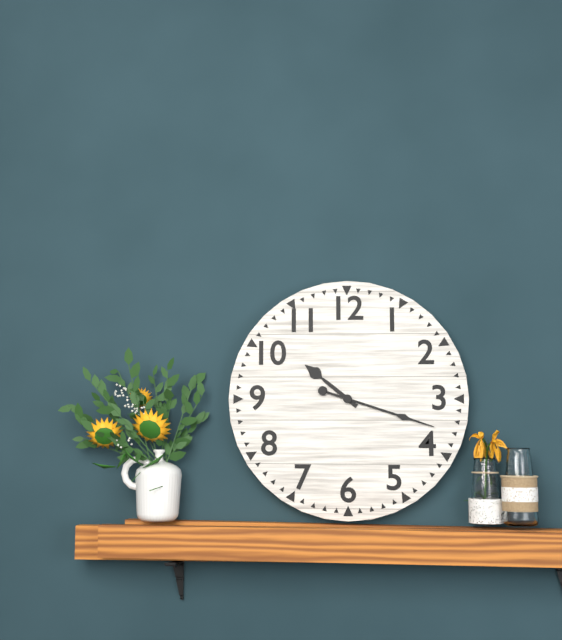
10 h 18 min
